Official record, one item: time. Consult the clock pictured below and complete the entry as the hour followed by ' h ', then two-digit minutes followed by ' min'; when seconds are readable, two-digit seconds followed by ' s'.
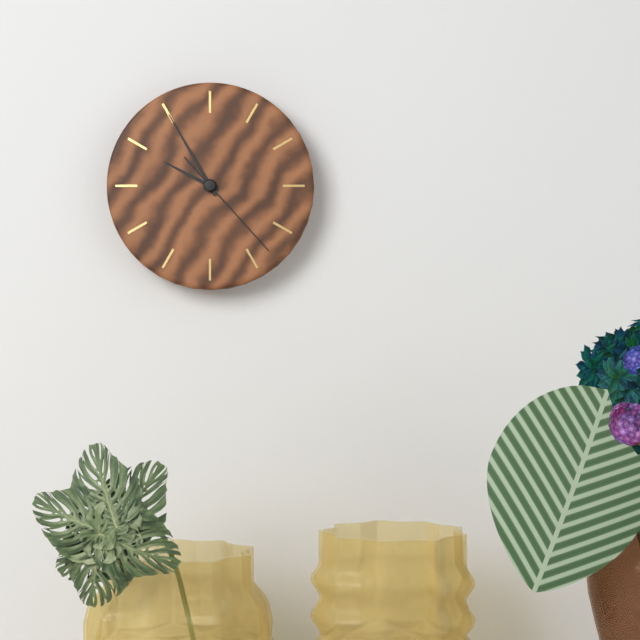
9 h 55 min 23 s
